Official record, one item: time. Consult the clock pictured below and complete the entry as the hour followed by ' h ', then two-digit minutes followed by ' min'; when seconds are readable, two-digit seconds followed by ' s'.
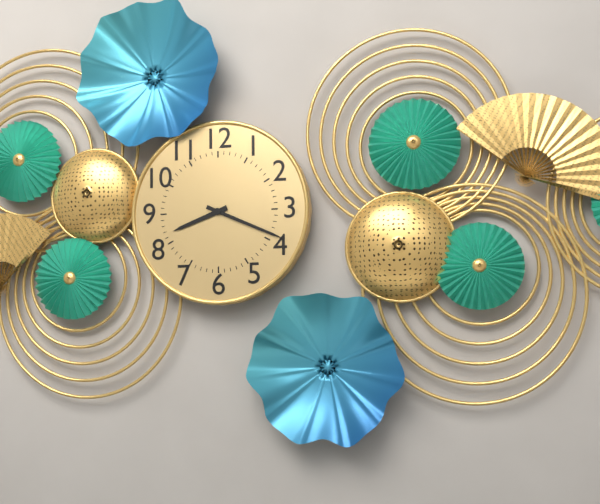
8 h 19 min
